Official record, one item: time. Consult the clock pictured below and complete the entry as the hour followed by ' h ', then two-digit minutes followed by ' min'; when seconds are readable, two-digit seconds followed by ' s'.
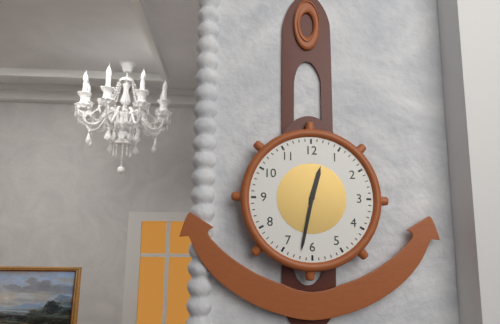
12 h 32 min
